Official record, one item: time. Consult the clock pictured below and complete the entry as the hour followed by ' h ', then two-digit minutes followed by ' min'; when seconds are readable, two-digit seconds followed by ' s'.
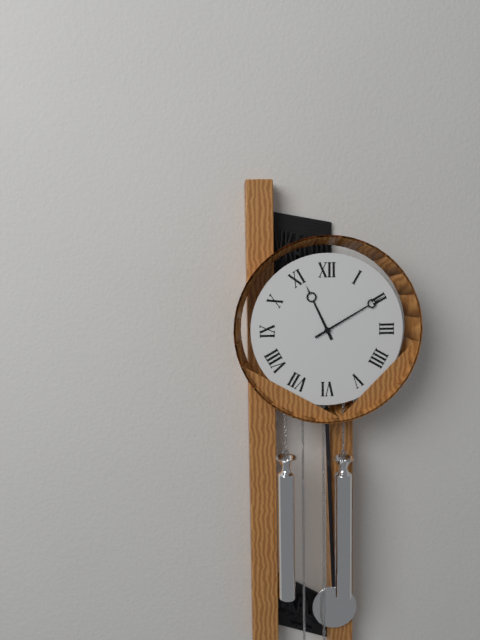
11 h 10 min
